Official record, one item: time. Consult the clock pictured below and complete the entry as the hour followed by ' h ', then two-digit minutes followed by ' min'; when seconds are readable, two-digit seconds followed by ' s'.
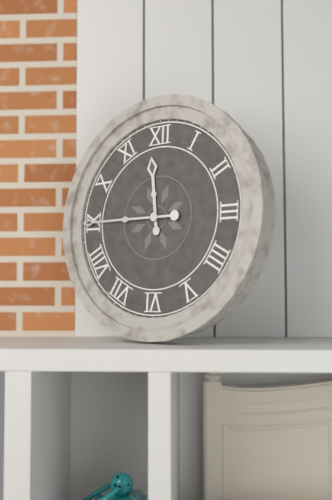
11 h 45 min
